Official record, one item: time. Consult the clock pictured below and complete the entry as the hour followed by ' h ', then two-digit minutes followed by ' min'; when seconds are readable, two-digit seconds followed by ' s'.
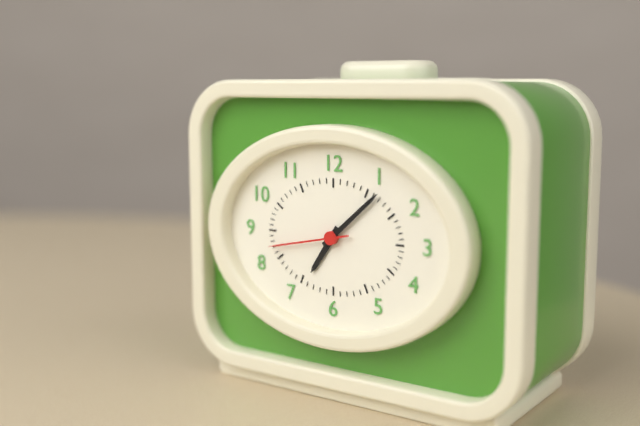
7 h 08 min 43 s
